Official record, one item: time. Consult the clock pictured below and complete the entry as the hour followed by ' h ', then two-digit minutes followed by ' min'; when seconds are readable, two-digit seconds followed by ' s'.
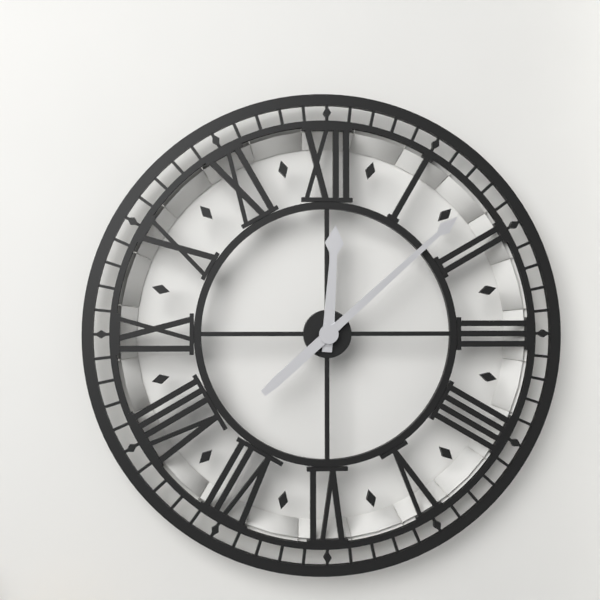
12 h 08 min
